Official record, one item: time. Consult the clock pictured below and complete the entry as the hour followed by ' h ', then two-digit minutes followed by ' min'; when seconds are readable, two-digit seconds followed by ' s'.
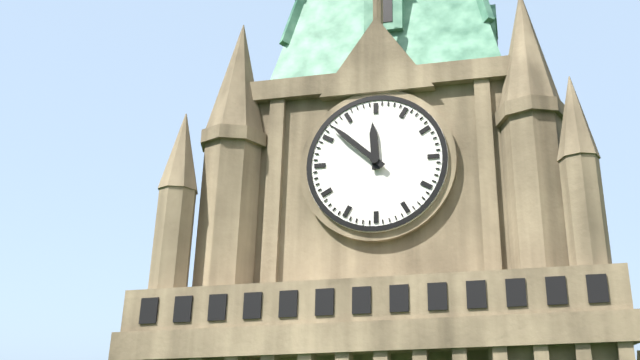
11 h 52 min
